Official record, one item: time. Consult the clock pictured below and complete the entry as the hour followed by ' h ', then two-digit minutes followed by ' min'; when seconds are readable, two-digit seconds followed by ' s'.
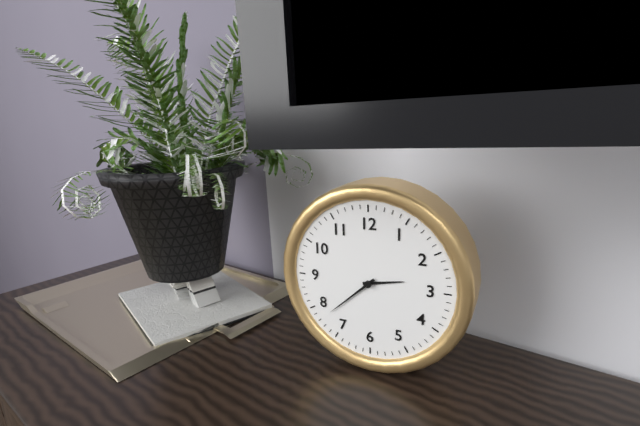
2 h 38 min
